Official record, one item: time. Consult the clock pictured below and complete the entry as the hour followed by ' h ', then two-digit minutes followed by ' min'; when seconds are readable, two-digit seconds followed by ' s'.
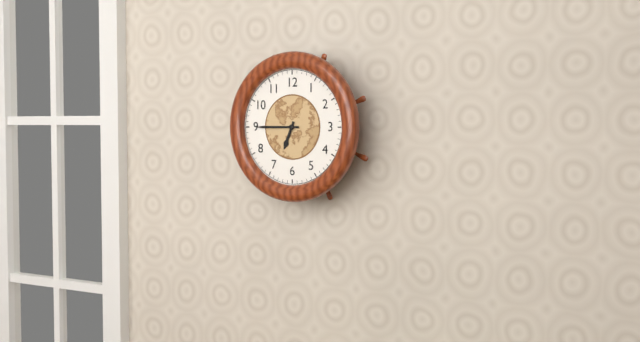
6 h 45 min
